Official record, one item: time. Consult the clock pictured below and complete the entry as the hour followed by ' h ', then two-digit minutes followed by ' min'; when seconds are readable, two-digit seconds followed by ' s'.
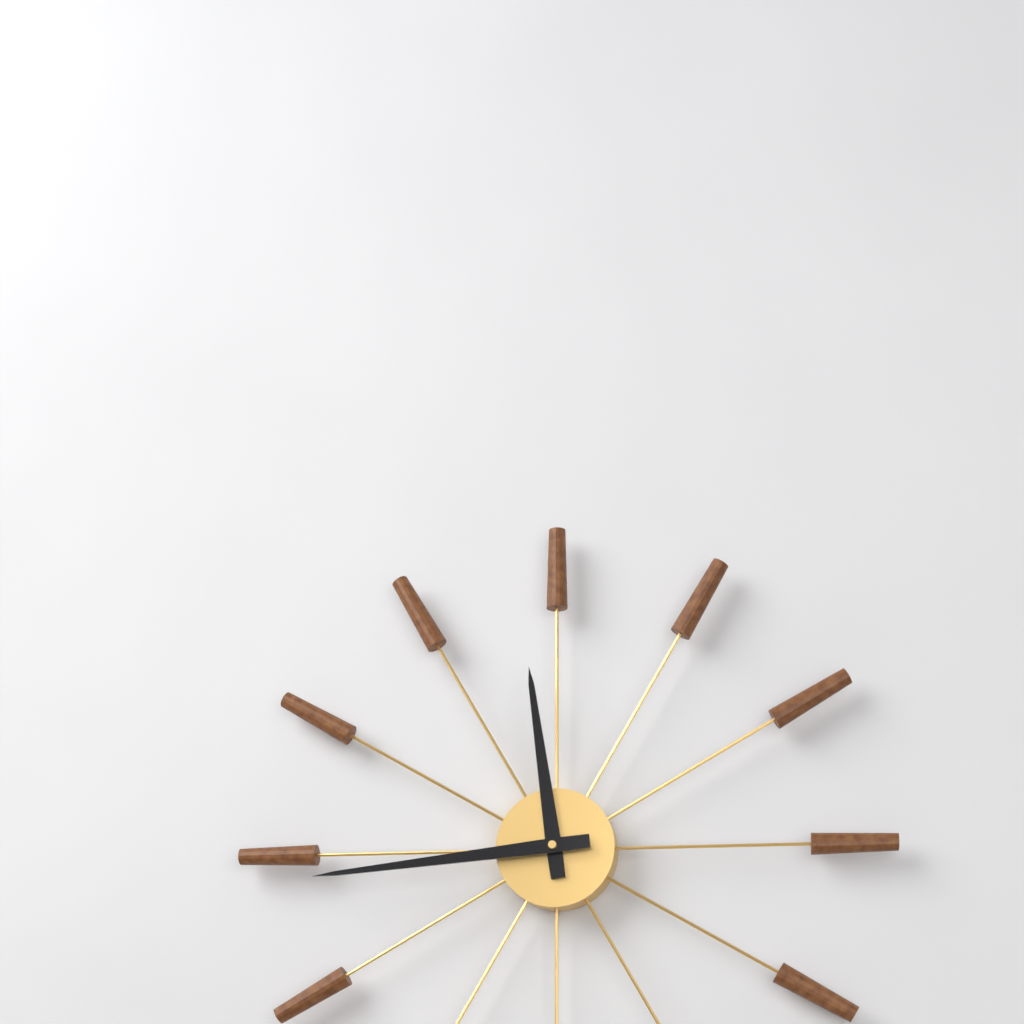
11 h 44 min
